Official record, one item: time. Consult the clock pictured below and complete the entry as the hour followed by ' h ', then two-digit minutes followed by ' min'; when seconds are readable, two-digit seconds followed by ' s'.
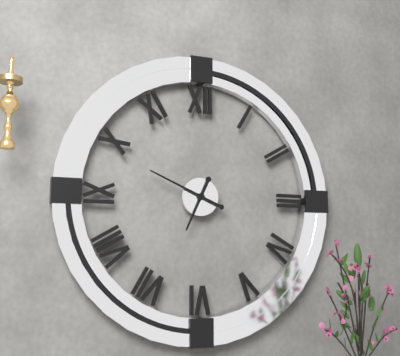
6 h 49 min
